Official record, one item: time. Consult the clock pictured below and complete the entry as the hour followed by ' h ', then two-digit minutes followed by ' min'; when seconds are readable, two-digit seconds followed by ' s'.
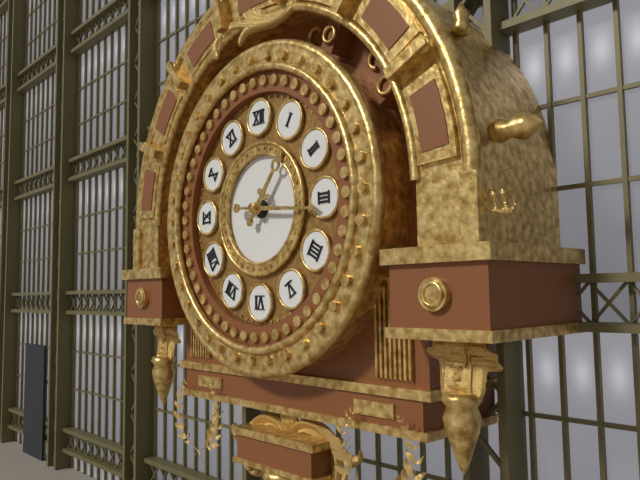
1 h 16 min
